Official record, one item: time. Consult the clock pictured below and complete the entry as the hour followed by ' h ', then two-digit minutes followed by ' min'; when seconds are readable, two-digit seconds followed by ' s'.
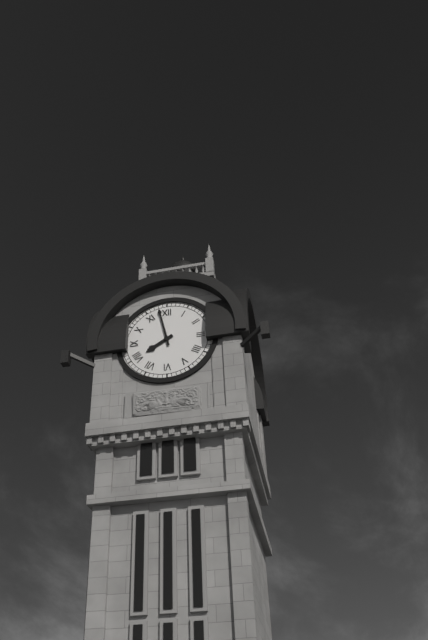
7 h 58 min
